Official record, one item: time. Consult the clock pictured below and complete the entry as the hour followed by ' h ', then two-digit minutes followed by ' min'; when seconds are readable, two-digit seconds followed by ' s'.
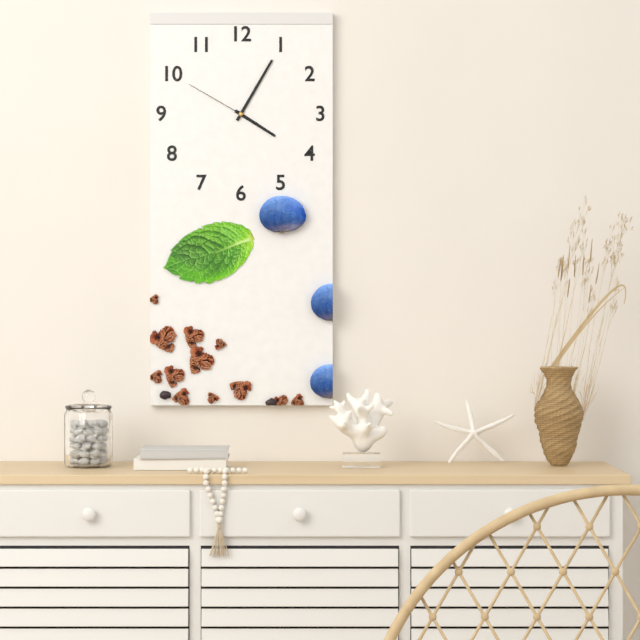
4 h 05 min 50 s
